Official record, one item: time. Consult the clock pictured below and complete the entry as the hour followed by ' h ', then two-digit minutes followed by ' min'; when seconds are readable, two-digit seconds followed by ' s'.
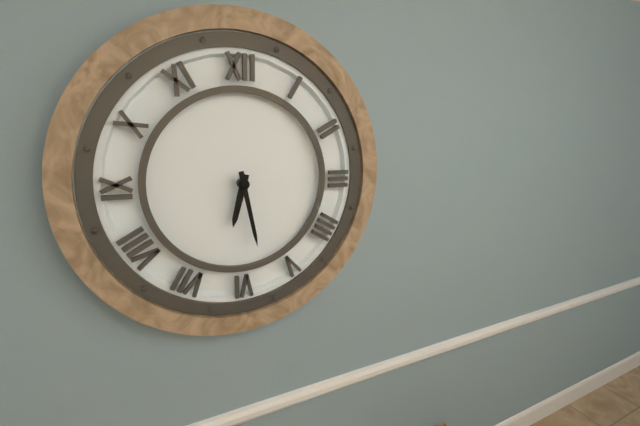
6 h 28 min
